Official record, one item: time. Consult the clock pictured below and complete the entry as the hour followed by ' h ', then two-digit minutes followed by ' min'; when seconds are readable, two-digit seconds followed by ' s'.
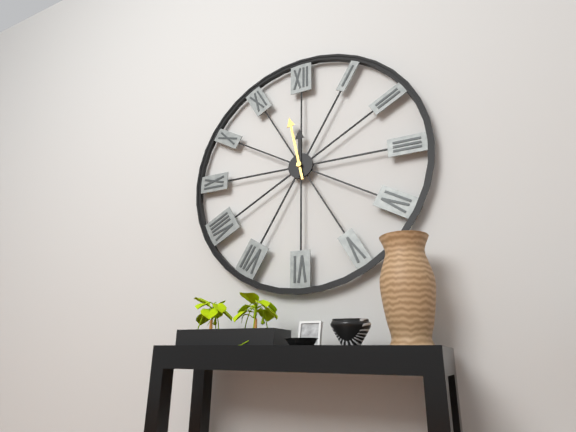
11 h 58 min
